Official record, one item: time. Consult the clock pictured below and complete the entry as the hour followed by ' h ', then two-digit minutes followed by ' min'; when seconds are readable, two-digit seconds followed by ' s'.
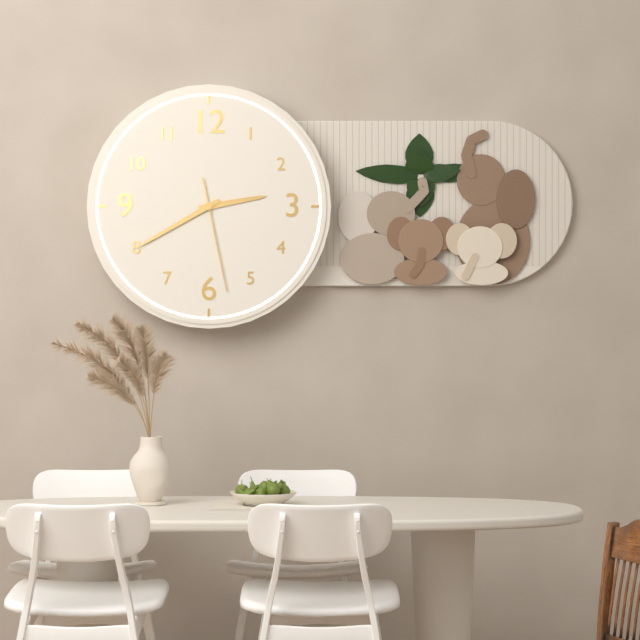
2 h 40 min 28 s
